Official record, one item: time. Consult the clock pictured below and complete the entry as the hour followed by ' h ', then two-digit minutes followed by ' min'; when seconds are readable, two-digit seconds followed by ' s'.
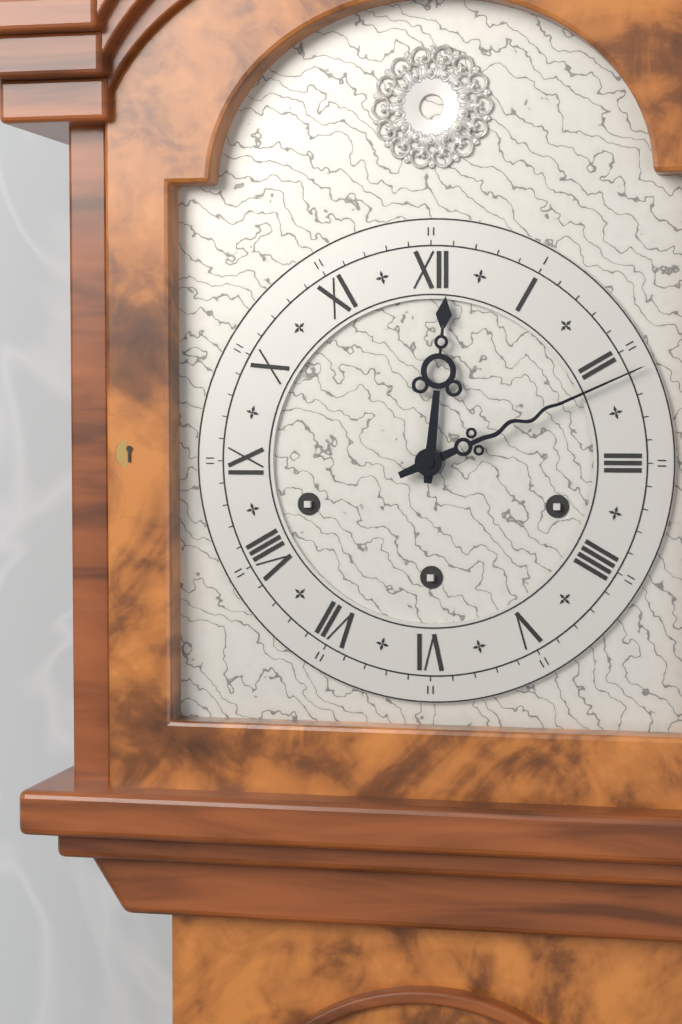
12 h 11 min
